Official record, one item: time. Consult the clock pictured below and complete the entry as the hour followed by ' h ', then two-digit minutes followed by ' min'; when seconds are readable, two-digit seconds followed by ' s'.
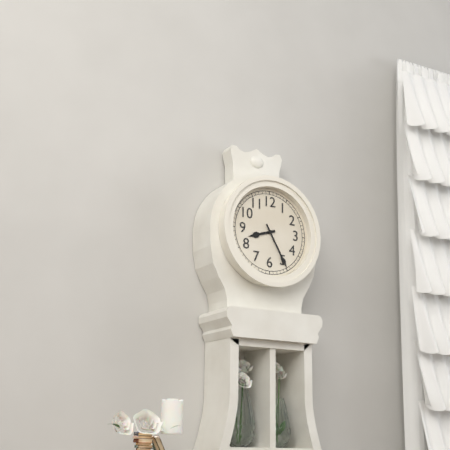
8 h 25 min
